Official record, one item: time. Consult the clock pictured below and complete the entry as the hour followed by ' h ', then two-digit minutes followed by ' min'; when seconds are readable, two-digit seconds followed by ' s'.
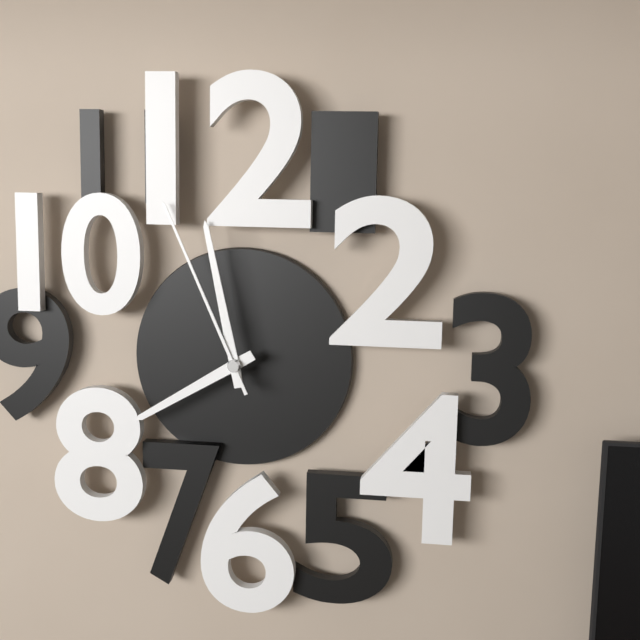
7 h 58 min 56 s
